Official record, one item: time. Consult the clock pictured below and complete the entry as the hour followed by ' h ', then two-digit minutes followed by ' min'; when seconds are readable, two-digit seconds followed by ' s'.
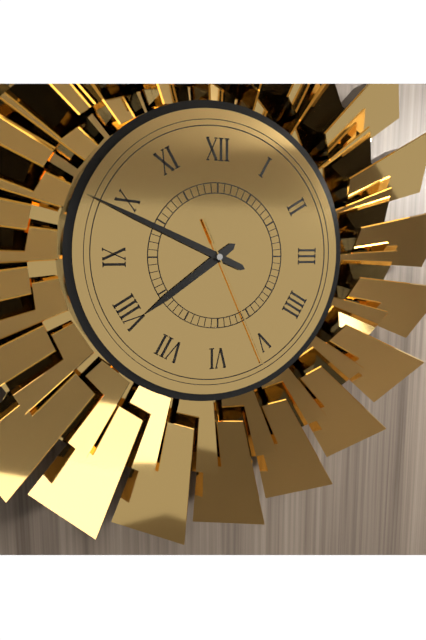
7 h 49 min 26 s
